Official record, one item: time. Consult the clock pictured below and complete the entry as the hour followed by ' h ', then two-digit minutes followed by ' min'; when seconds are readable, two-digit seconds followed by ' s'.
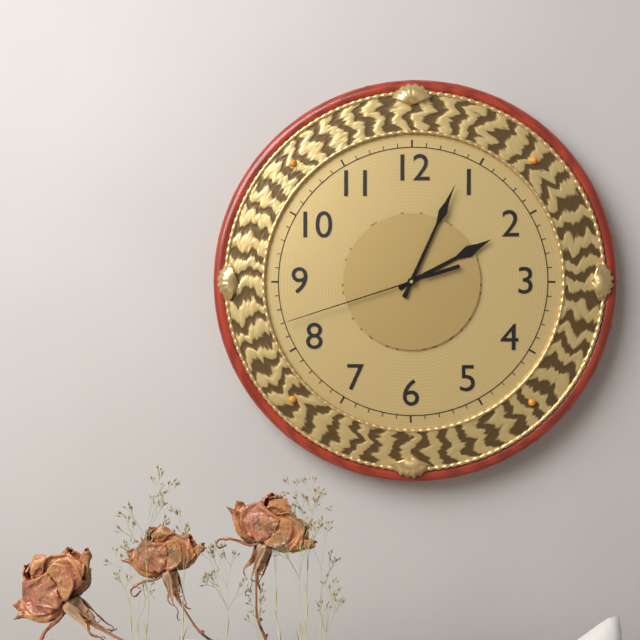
2 h 04 min 42 s
